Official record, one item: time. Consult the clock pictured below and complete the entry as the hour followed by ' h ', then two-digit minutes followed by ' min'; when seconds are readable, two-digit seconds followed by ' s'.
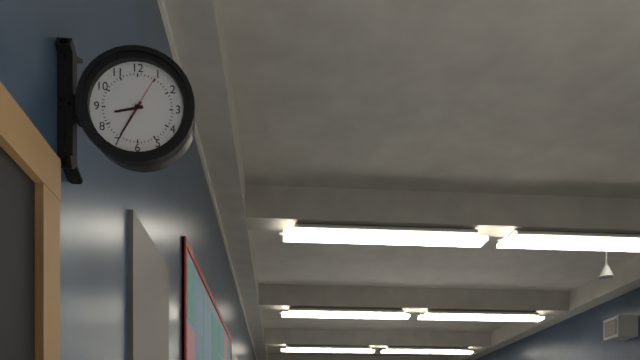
8 h 35 min
